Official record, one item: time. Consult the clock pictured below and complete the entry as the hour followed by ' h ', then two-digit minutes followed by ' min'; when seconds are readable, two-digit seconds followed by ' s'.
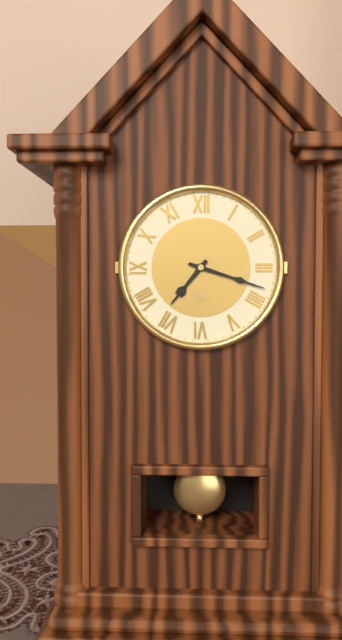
7 h 18 min
